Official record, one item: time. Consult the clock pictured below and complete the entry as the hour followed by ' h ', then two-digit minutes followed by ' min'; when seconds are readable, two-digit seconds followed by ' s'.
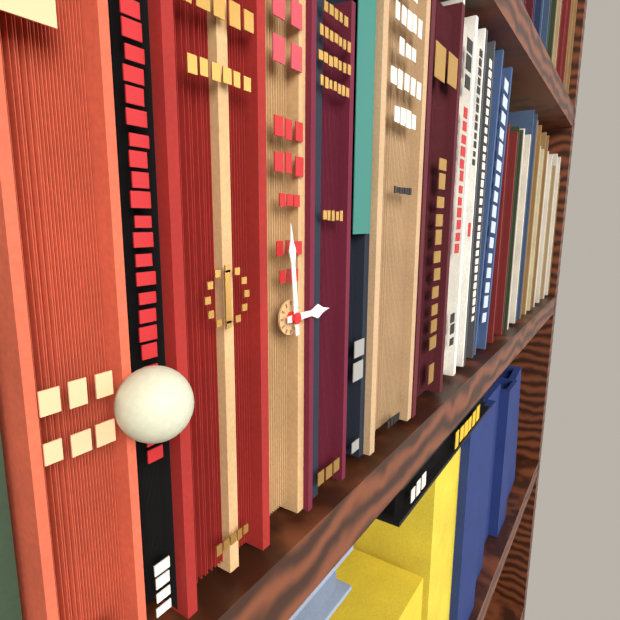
2 h 59 min
